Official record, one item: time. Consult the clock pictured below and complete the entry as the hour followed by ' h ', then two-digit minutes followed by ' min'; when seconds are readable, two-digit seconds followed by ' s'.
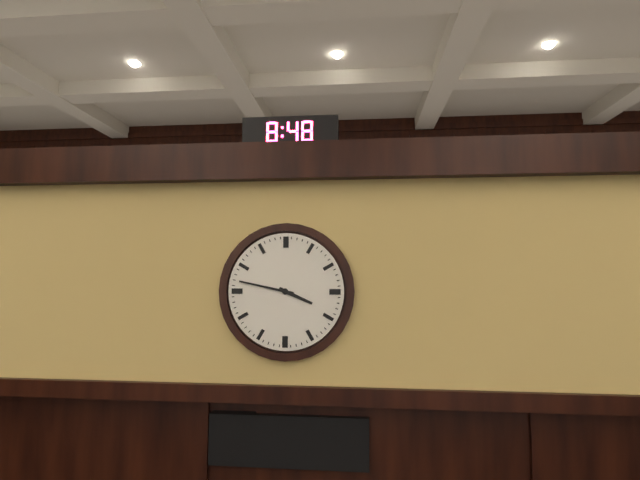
3 h 47 min
